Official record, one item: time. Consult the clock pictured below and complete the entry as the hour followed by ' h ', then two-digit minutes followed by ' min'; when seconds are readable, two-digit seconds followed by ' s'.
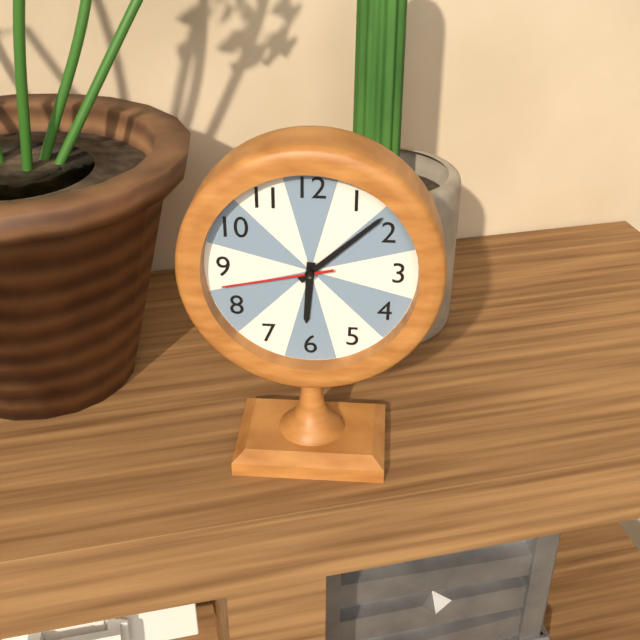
6 h 08 min 43 s
